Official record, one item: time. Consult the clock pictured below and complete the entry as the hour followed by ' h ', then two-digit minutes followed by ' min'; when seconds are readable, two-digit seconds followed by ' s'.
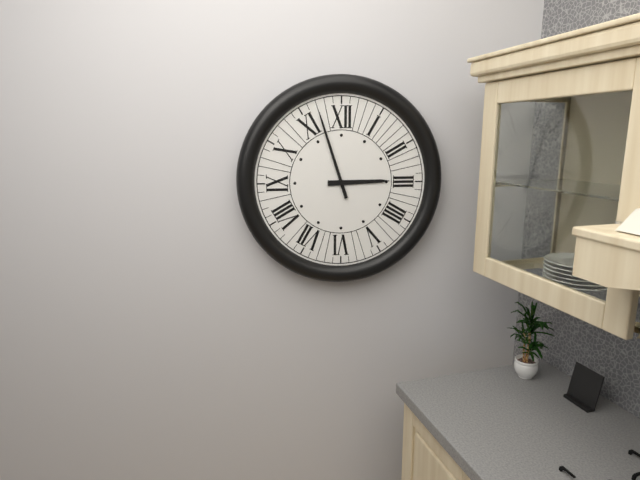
2 h 57 min
